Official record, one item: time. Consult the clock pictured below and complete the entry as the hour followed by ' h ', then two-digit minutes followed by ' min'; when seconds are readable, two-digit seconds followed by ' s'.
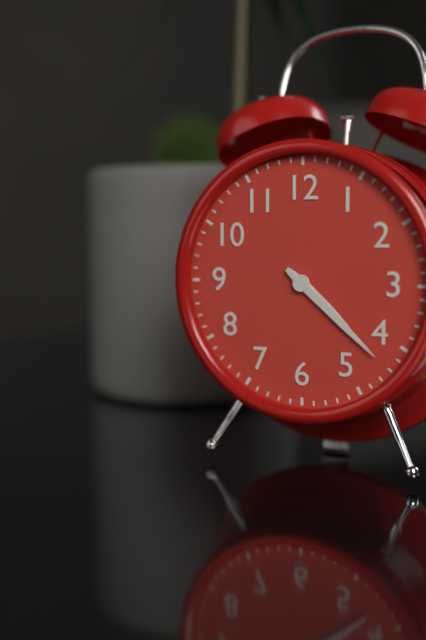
4 h 22 min
